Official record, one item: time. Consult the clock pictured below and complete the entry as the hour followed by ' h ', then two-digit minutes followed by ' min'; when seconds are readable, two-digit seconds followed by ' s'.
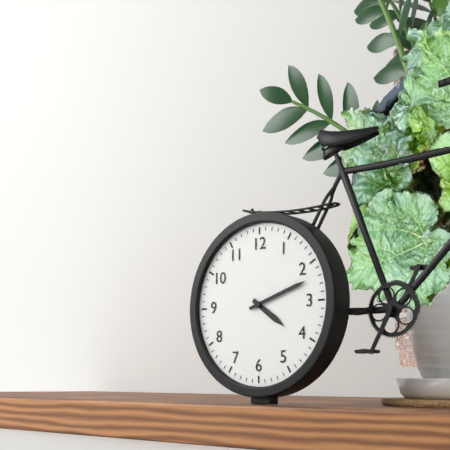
4 h 12 min
